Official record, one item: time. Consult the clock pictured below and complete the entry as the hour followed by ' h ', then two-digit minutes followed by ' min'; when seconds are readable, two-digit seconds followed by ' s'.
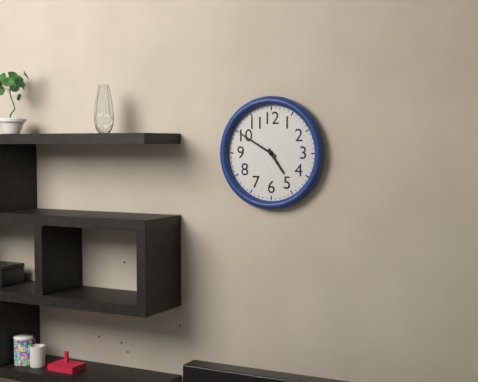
4 h 50 min
